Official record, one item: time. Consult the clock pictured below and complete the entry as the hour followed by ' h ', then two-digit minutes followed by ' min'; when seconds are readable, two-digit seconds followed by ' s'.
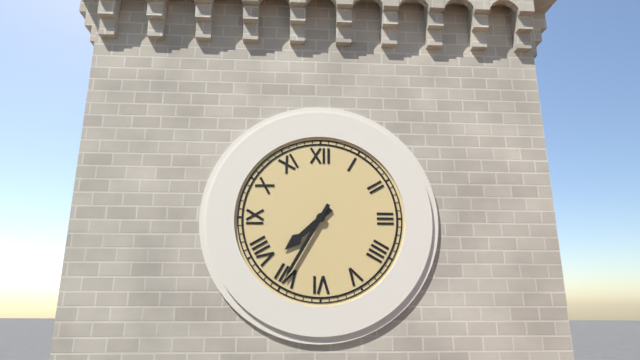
7 h 35 min
